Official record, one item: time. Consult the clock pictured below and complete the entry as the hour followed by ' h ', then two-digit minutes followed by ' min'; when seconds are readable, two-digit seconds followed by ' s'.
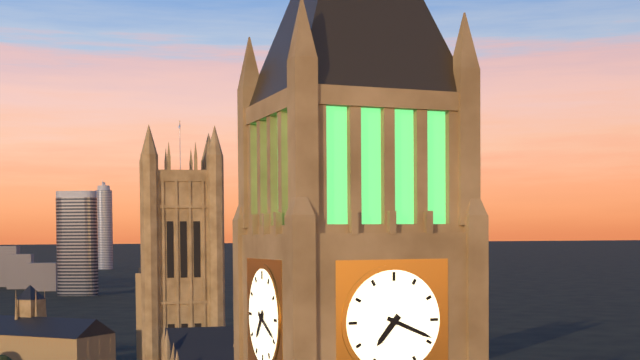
7 h 19 min
